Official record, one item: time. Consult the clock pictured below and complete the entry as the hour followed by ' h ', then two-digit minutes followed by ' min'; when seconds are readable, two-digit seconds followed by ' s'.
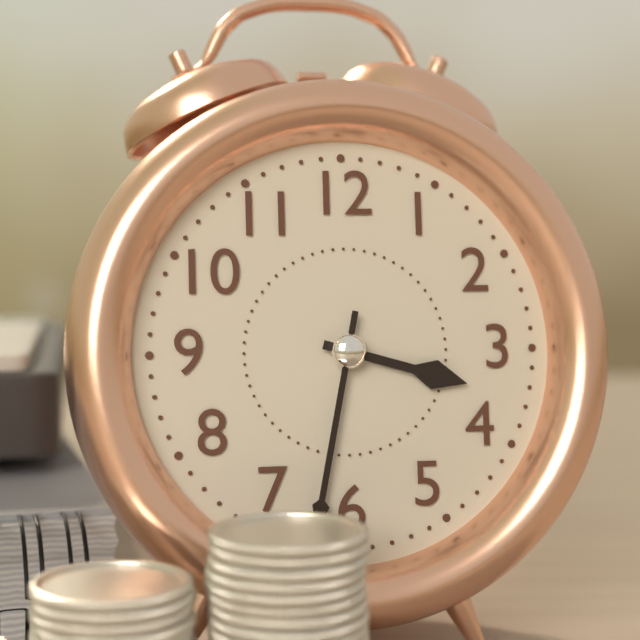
3 h 32 min
